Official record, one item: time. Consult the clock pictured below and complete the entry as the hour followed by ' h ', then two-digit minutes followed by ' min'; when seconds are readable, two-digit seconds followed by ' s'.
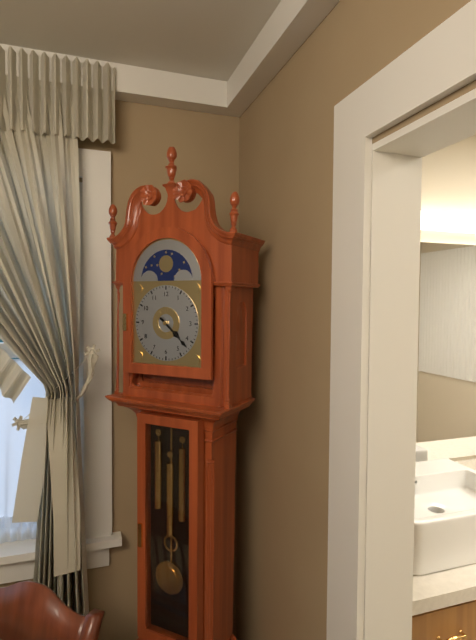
4 h 22 min
